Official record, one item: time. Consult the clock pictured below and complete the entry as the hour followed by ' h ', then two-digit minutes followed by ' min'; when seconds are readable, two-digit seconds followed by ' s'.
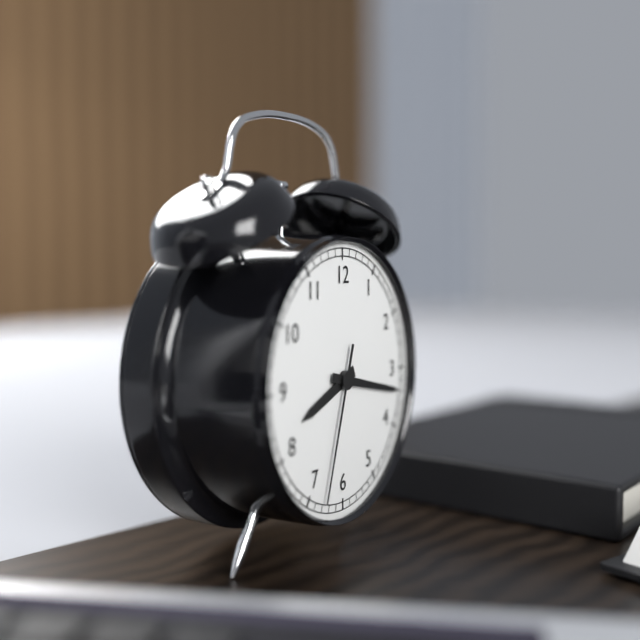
8 h 17 min 33 s
